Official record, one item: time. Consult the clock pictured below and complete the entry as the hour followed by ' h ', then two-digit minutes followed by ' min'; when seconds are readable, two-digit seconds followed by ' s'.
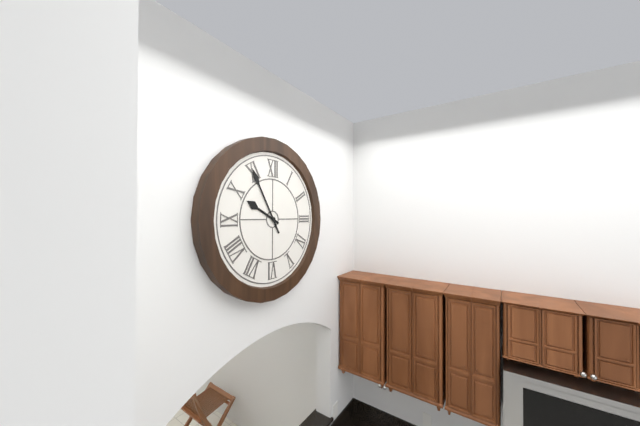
9 h 55 min
